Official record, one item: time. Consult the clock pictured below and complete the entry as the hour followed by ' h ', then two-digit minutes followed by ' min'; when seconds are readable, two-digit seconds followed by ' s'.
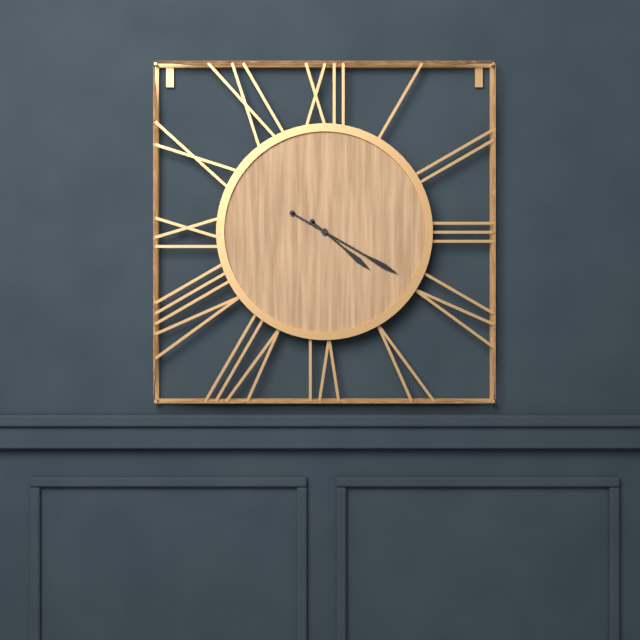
4 h 20 min
